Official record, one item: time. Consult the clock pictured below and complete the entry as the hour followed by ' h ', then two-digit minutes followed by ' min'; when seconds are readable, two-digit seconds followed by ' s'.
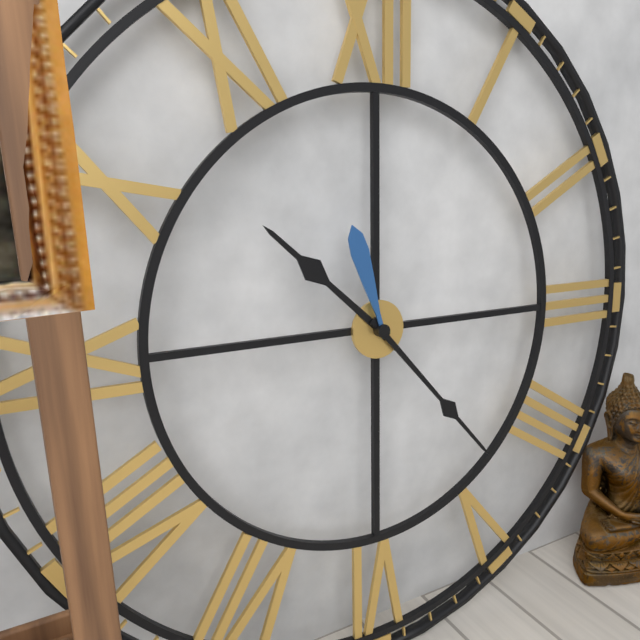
10 h 23 min 57 s
